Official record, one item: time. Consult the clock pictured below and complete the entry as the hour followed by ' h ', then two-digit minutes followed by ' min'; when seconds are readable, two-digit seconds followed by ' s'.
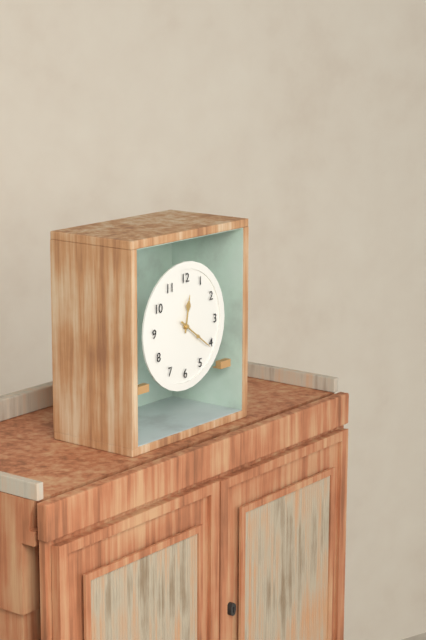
12 h 21 min
